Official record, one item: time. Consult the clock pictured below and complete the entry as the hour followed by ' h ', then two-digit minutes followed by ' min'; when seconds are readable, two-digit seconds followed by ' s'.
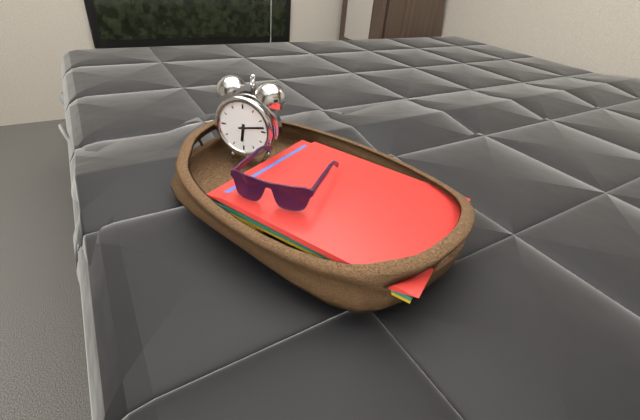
6 h 13 min
